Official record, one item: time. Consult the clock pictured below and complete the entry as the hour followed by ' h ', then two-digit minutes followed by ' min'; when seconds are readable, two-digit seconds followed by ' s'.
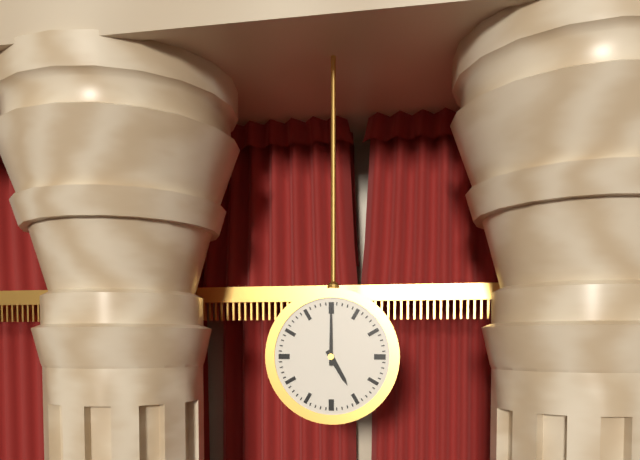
5 h 00 min
